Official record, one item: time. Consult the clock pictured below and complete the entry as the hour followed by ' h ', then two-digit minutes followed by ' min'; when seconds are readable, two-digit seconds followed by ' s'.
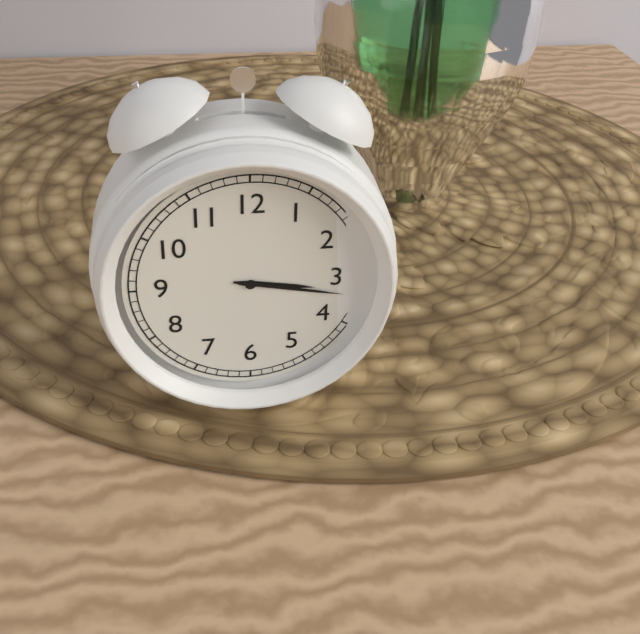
3 h 17 min
